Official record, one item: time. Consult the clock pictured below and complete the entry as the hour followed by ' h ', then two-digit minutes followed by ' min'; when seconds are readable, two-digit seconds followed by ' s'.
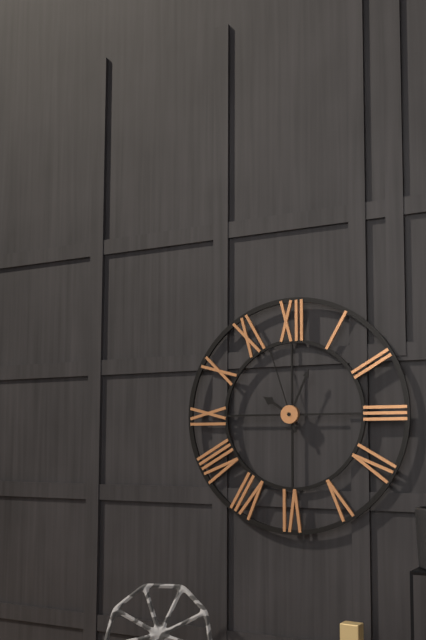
10 h 04 min 57 s
